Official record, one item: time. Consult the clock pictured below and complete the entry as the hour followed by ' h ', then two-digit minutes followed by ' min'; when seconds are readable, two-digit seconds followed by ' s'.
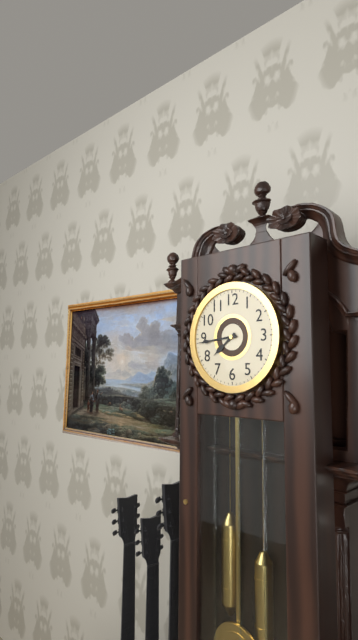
7 h 44 min
